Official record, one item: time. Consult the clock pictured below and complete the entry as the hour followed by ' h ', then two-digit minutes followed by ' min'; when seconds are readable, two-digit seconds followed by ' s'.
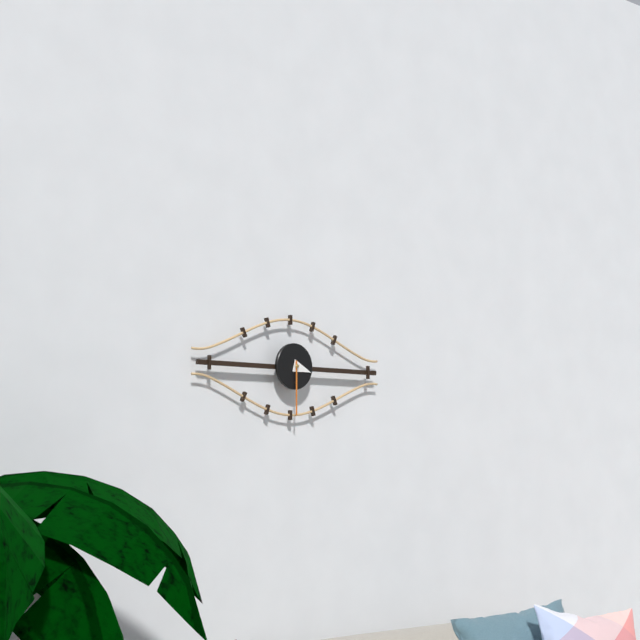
3 h 30 min
